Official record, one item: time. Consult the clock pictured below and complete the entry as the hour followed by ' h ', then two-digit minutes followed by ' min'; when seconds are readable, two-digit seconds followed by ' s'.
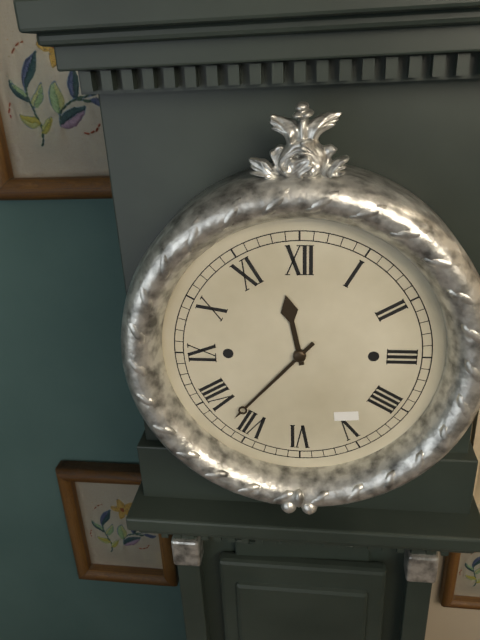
11 h 37 min
